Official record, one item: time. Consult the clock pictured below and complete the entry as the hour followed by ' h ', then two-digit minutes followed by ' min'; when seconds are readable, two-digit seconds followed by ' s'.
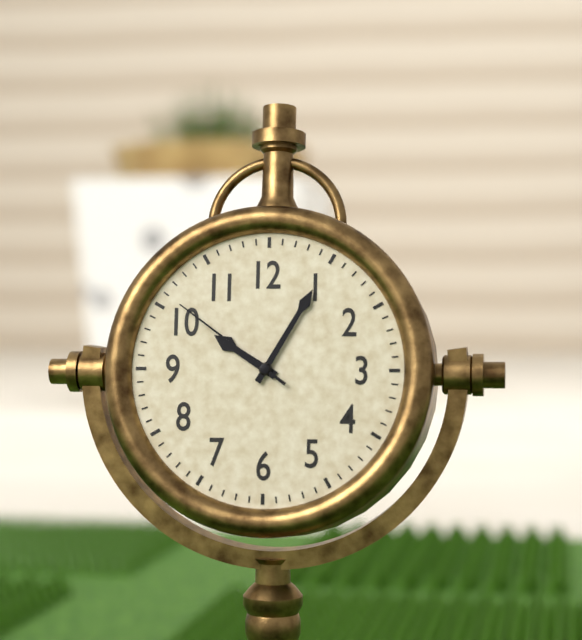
10 h 05 min 51 s
